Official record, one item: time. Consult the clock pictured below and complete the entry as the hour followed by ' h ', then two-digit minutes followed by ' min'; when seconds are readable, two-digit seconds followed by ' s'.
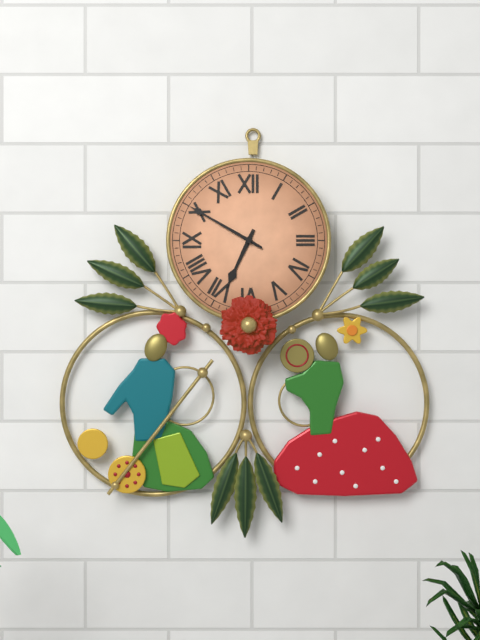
6 h 50 min
